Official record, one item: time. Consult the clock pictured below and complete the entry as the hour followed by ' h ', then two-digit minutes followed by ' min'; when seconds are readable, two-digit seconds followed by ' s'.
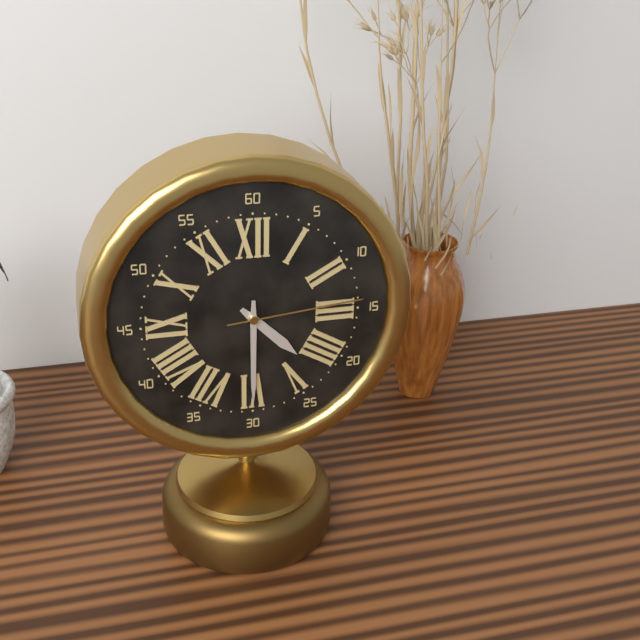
4 h 30 min 14 s
